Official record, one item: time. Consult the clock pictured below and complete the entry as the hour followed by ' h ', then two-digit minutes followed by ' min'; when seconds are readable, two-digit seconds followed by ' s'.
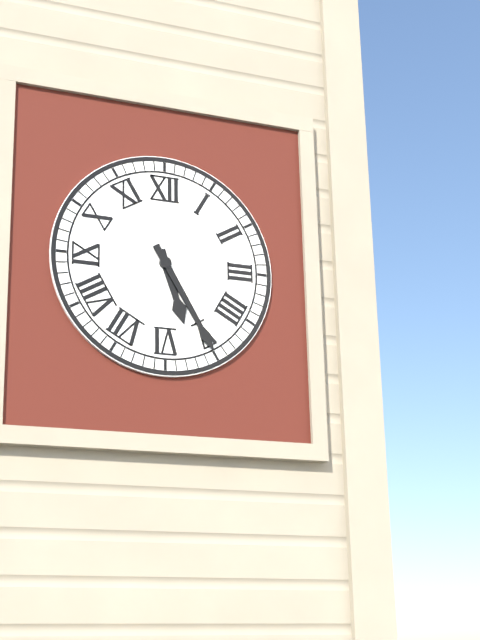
5 h 25 min
